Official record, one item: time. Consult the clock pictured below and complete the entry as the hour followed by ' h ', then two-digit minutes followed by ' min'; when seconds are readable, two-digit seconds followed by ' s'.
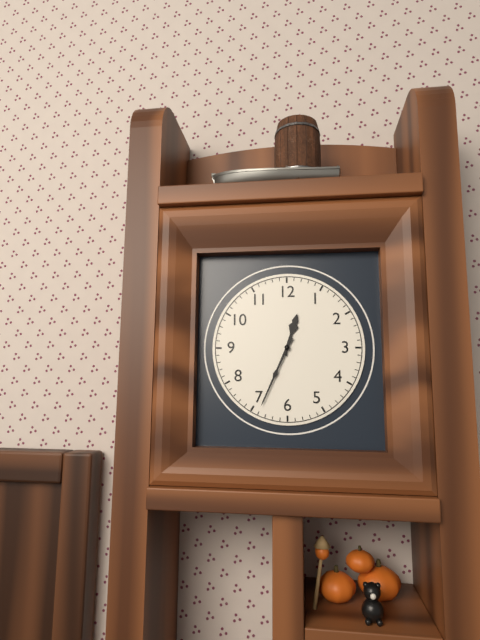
12 h 34 min
